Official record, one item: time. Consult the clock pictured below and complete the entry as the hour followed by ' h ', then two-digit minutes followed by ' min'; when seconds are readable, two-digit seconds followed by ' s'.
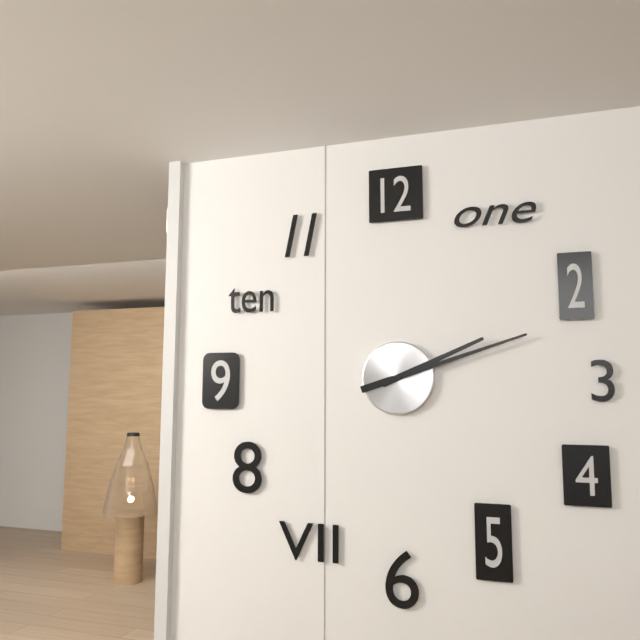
2 h 12 min
